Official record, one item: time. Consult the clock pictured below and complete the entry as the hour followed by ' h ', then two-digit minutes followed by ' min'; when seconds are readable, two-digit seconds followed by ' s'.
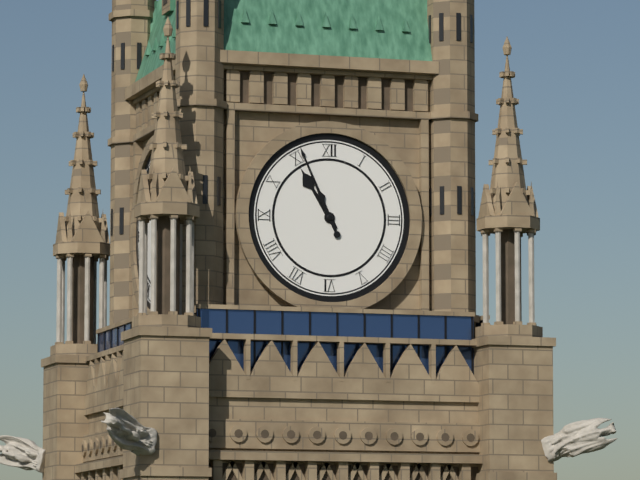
10 h 56 min
